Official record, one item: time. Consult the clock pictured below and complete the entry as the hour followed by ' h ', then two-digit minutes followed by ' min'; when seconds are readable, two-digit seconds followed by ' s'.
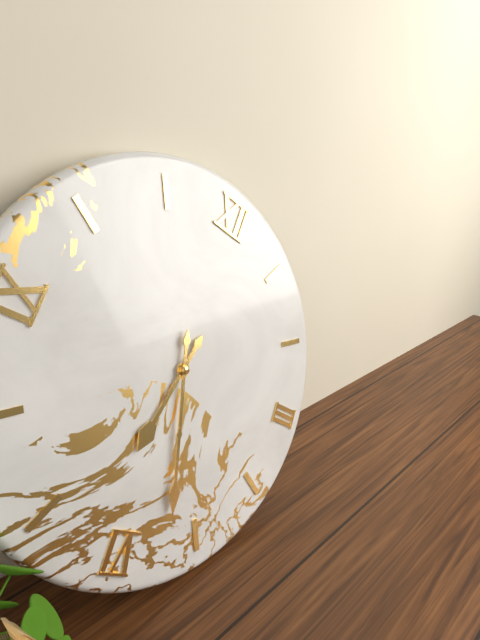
6 h 27 min
